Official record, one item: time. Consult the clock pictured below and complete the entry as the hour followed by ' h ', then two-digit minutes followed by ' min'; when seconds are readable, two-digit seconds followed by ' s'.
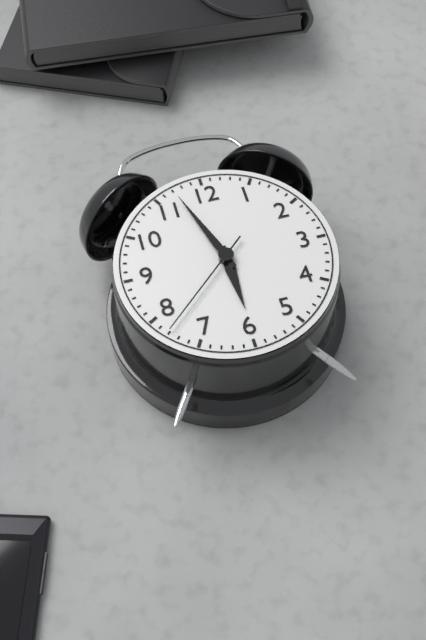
5 h 57 min 38 s
